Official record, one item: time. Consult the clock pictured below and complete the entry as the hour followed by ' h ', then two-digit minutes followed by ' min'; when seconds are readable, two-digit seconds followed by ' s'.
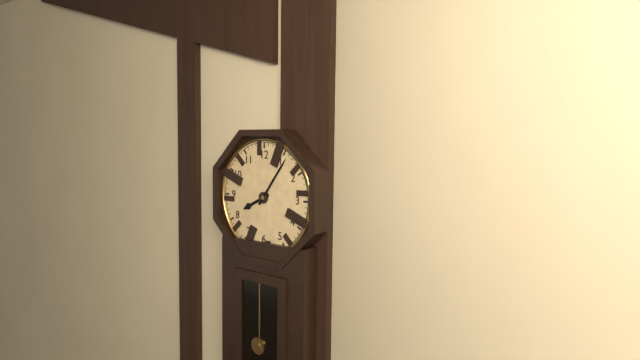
8 h 06 min
